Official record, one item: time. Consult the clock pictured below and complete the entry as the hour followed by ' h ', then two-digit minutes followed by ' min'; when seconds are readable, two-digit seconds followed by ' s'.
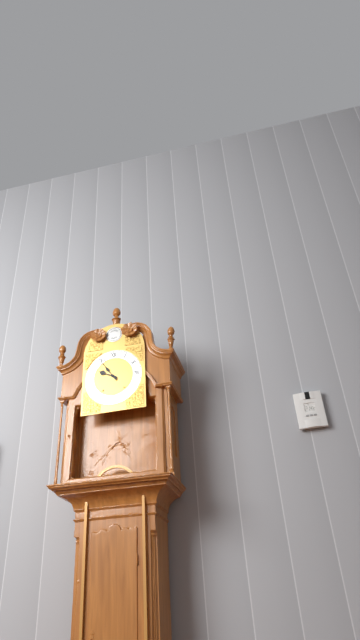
9 h 54 min
